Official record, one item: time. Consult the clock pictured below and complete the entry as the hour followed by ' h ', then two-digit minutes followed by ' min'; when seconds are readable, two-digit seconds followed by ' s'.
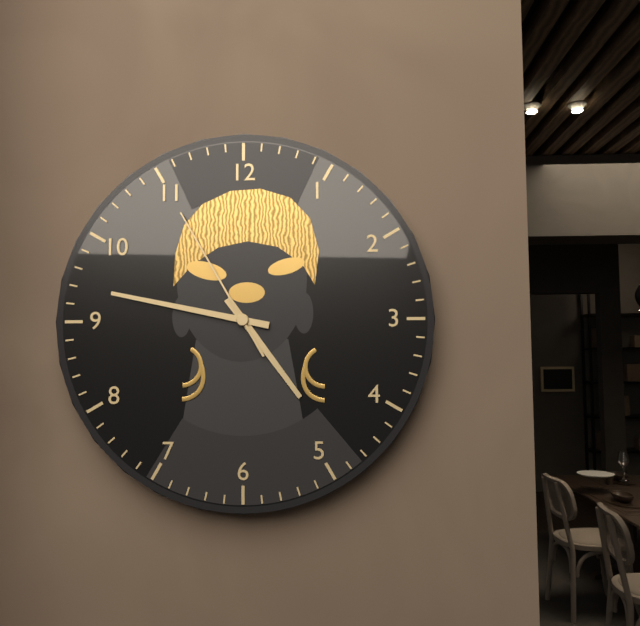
4 h 47 min 55 s
